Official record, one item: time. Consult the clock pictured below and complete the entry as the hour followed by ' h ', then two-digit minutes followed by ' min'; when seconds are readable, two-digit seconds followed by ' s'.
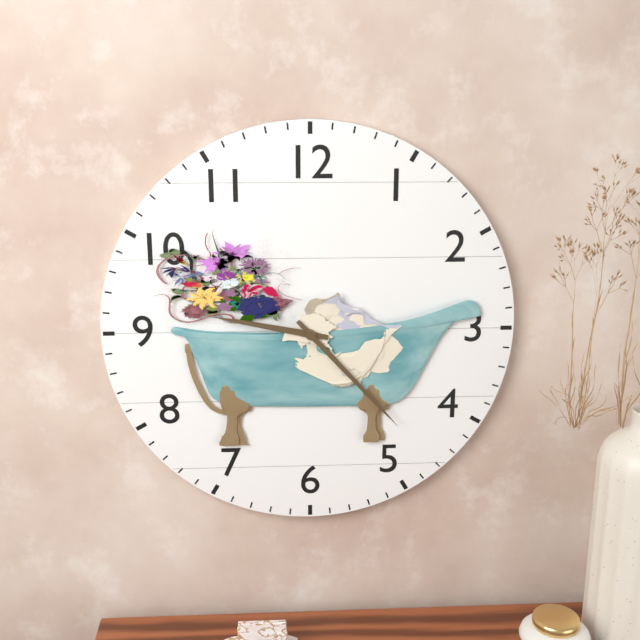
9 h 23 min
